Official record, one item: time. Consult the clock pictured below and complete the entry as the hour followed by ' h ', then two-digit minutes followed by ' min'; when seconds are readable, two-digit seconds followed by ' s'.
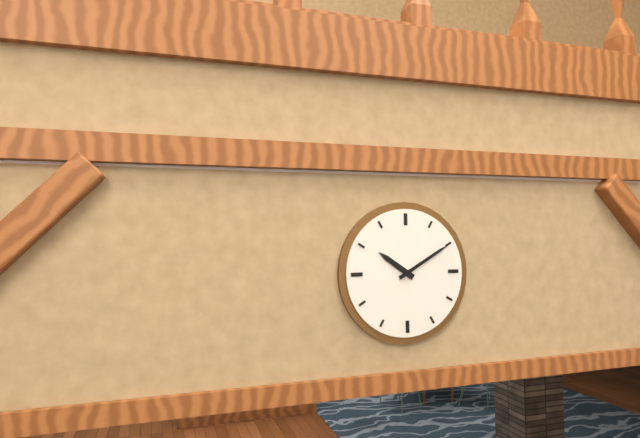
10 h 10 min
